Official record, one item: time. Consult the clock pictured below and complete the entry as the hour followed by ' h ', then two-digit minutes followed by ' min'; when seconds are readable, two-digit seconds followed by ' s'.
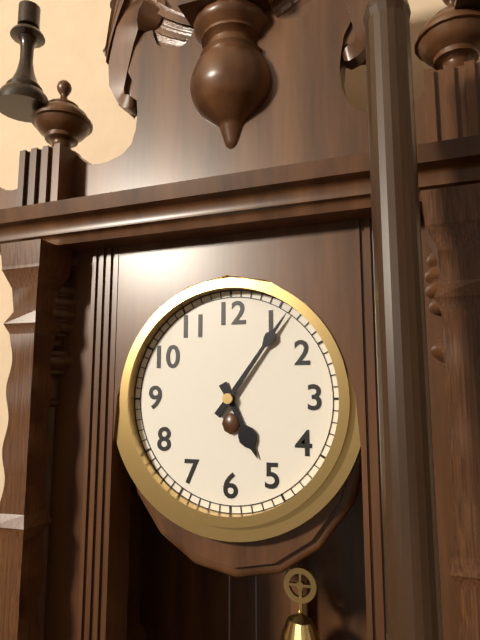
5 h 06 min
